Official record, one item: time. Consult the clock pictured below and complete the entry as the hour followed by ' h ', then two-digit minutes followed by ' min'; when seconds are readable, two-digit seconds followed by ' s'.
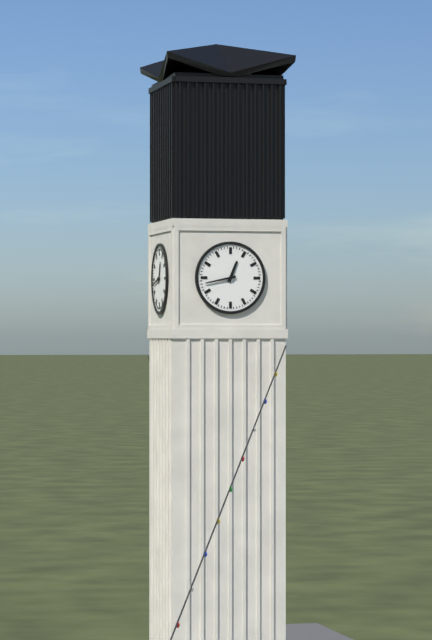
12 h 43 min
